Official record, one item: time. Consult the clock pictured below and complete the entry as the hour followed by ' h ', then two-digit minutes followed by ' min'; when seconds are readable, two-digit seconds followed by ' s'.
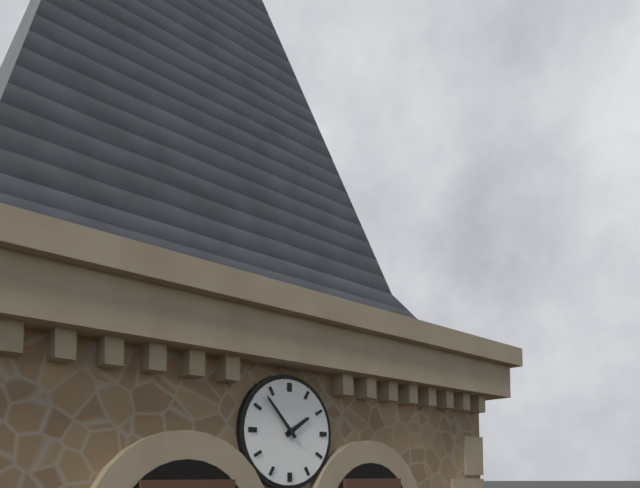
1 h 53 min
